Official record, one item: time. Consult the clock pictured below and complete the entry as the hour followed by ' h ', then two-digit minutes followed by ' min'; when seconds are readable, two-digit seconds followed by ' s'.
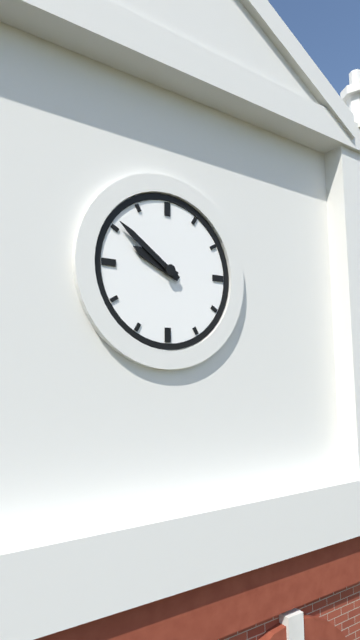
9 h 51 min
